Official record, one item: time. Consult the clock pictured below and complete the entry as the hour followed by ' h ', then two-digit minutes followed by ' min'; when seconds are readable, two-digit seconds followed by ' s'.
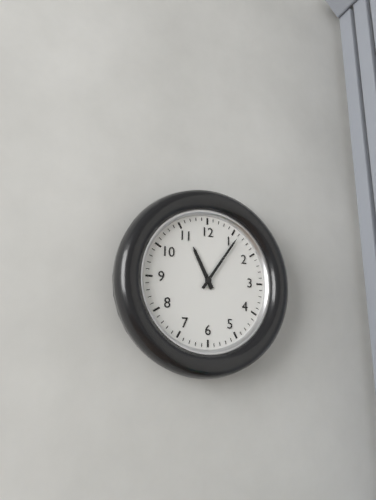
11 h 06 min
